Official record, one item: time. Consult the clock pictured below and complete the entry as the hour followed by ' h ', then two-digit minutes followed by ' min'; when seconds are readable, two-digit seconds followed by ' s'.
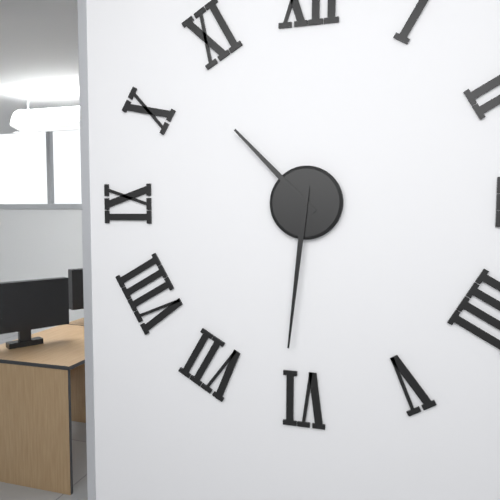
10 h 31 min
